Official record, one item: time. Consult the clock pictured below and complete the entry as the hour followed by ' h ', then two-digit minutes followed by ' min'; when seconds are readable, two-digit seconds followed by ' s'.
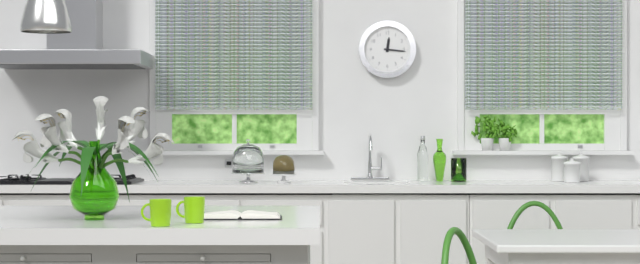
12 h 16 min
